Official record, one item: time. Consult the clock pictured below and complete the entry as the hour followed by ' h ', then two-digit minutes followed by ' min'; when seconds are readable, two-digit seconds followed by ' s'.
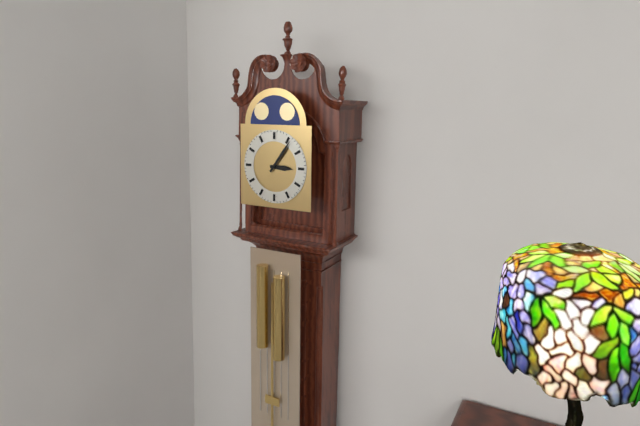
3 h 06 min
